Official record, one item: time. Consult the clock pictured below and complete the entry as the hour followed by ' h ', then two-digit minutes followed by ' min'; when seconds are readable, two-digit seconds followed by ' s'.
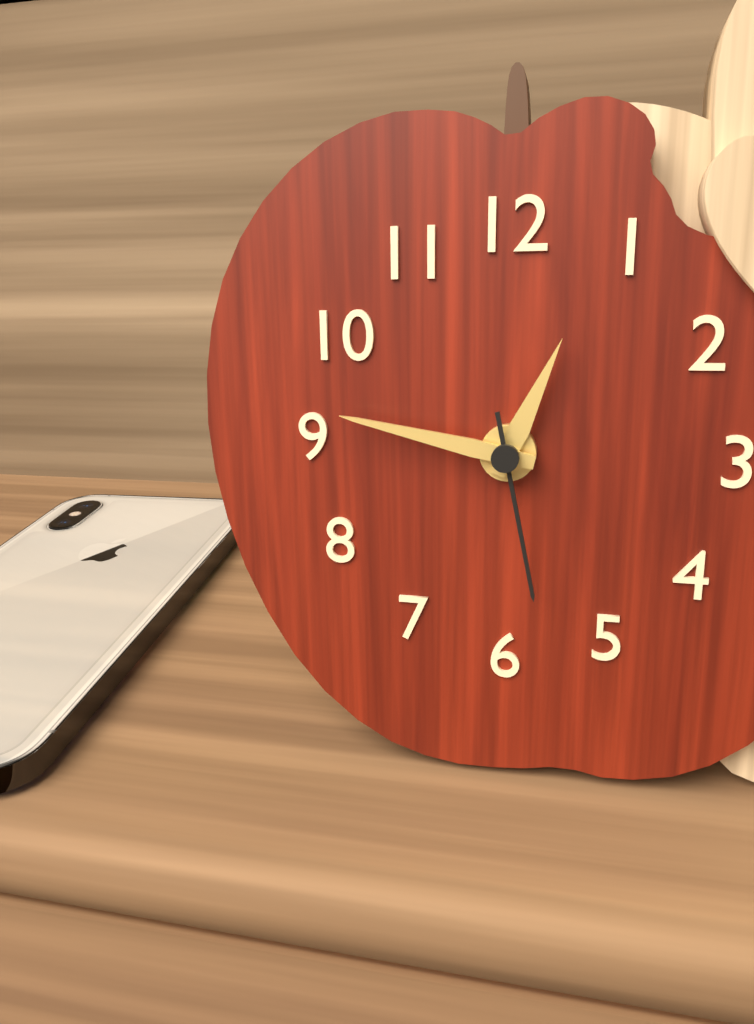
12 h 47 min 28 s
